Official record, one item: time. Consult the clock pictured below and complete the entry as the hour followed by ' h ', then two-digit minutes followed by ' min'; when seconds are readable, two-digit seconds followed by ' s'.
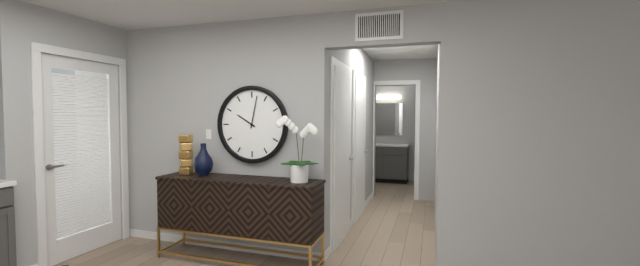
10 h 02 min
